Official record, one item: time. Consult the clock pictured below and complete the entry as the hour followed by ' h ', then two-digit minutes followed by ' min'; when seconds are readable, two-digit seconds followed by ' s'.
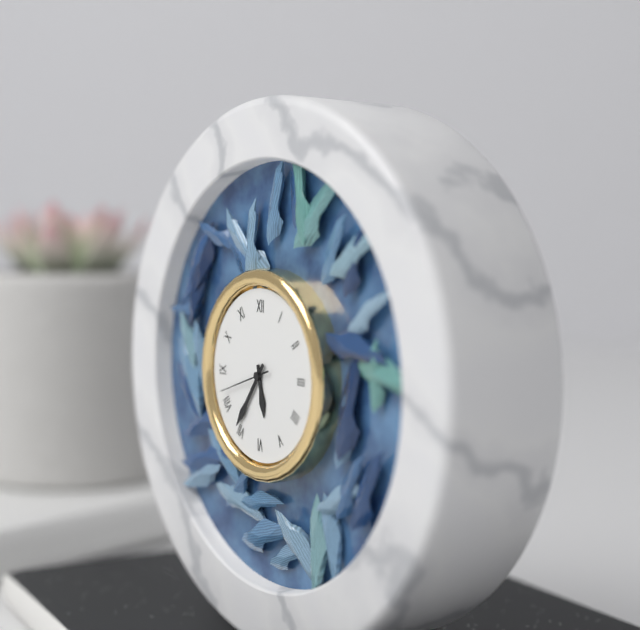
5 h 36 min
